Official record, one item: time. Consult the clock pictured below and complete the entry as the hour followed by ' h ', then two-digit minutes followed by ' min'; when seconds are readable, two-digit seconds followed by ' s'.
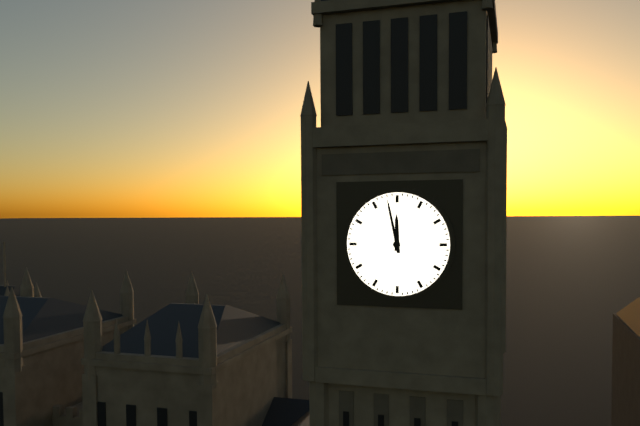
11 h 58 min
